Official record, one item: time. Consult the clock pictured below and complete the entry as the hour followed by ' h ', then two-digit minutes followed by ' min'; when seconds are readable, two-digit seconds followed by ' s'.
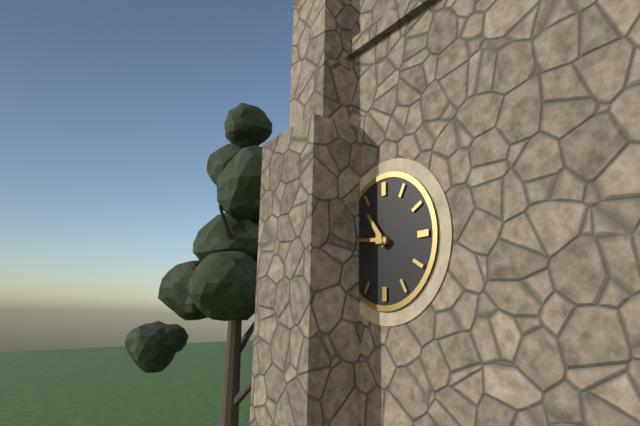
10 h 46 min
